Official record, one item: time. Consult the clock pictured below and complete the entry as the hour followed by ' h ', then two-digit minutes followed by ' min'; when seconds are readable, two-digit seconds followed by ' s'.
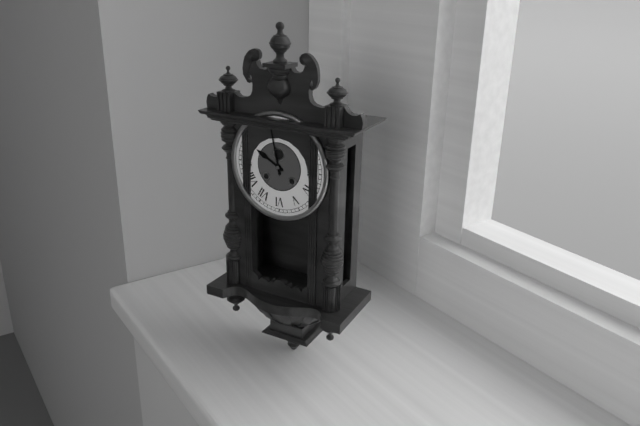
9 h 58 min
